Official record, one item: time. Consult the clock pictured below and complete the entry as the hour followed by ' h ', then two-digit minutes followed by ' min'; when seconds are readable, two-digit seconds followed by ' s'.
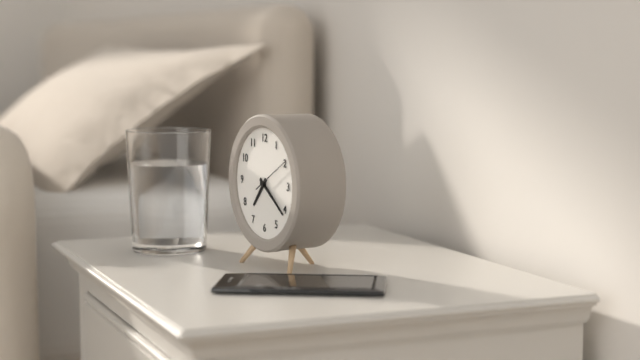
7 h 21 min
